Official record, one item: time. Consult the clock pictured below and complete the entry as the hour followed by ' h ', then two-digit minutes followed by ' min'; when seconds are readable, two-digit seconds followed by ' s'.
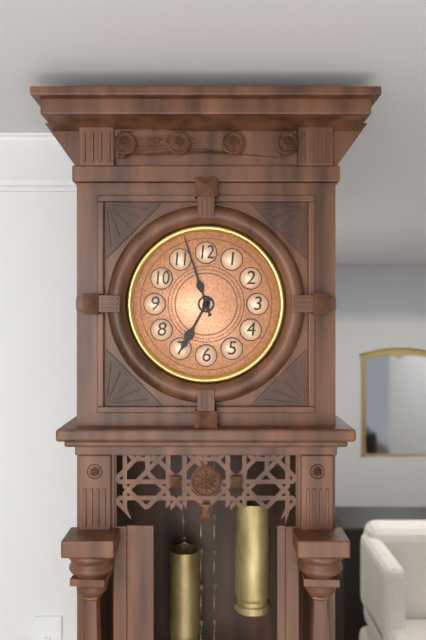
6 h 57 min
